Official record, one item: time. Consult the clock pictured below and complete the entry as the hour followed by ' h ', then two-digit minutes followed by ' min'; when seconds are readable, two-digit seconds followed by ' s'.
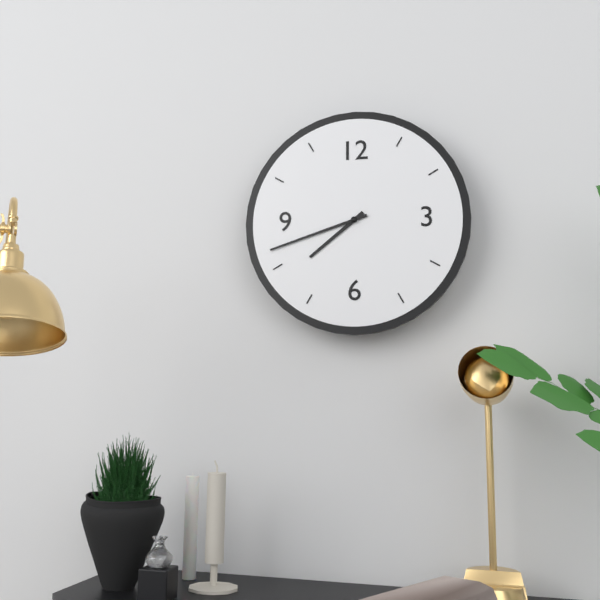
7 h 42 min
